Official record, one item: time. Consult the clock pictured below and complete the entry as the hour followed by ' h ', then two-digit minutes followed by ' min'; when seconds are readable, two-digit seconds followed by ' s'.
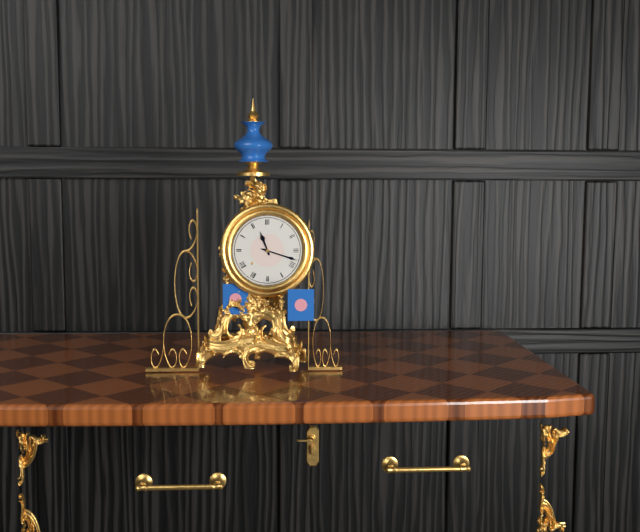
11 h 18 min
